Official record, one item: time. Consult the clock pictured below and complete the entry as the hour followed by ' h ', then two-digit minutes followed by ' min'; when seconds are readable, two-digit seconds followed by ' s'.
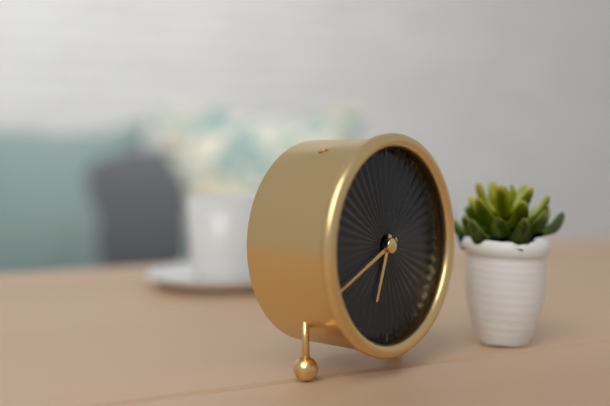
6 h 41 min
